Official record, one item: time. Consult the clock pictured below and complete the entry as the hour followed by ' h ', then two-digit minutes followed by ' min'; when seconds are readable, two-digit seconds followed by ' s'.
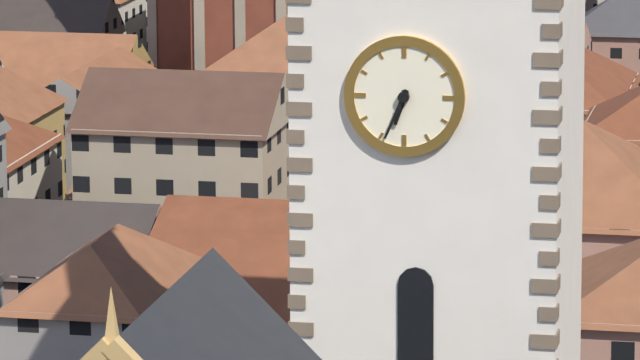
6 h 34 min
